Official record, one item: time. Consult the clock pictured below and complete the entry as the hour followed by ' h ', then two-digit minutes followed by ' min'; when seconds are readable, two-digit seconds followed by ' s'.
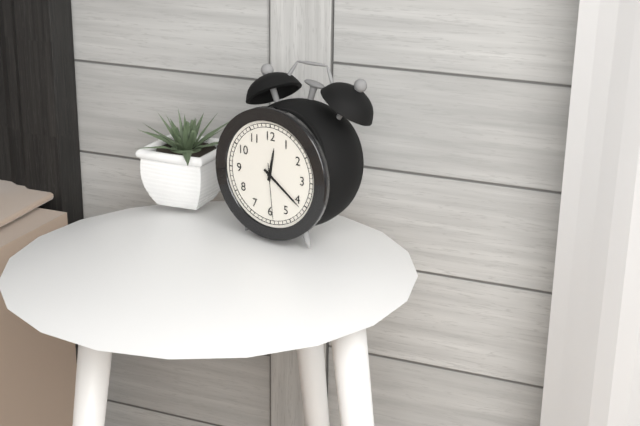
12 h 21 min 29 s
